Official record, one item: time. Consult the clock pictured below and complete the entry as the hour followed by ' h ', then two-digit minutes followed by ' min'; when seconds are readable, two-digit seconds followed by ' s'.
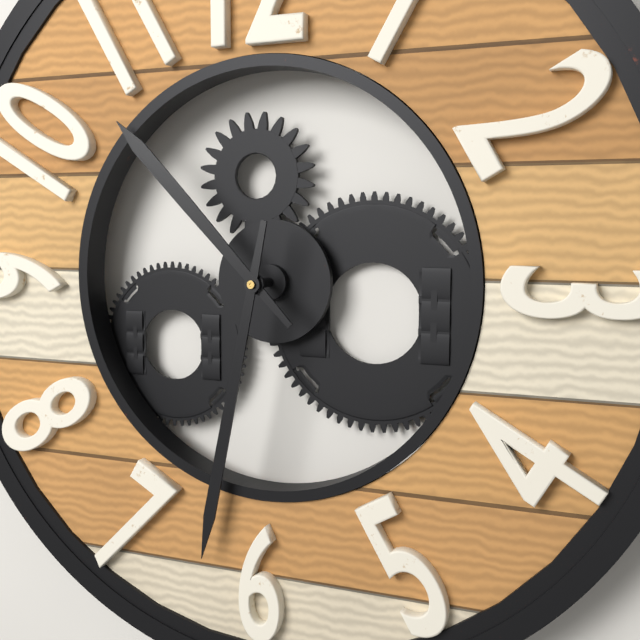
10 h 32 min
